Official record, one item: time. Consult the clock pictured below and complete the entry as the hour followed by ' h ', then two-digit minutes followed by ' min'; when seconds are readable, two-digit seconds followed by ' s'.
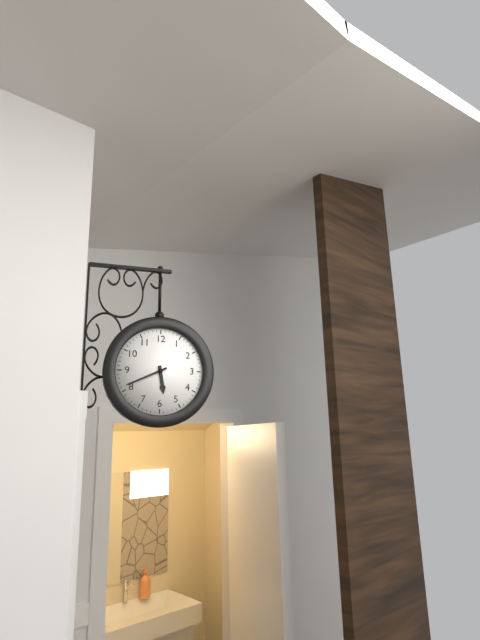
5 h 41 min
